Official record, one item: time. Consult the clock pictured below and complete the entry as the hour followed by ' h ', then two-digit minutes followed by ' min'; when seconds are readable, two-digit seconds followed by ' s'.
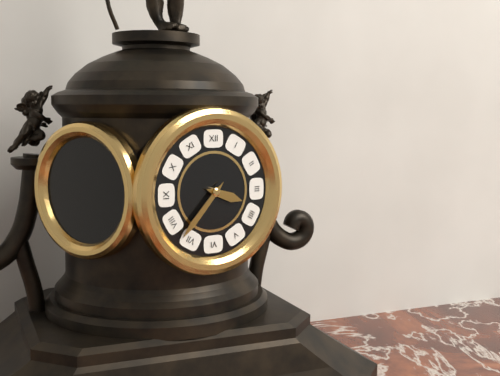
3 h 37 min
